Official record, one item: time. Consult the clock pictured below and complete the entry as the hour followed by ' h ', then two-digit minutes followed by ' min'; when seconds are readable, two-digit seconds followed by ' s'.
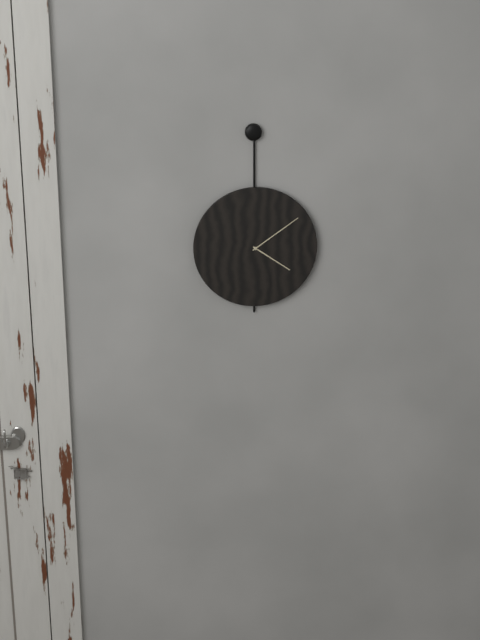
4 h 09 min
